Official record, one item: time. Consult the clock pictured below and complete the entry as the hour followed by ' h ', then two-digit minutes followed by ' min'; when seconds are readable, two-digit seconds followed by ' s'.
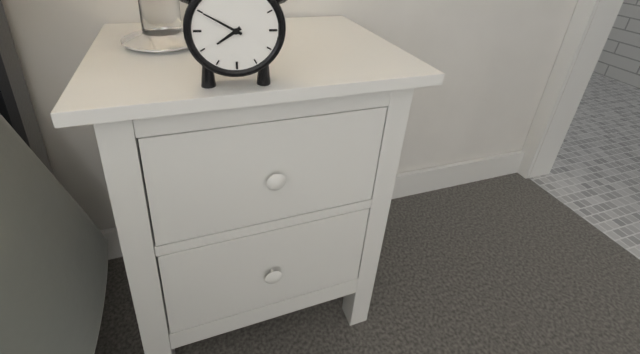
7 h 50 min
